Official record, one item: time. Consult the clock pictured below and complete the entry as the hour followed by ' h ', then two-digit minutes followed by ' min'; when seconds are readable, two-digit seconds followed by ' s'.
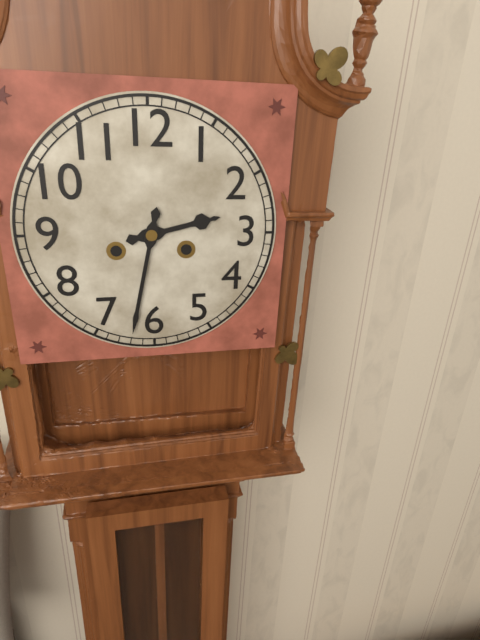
2 h 32 min
